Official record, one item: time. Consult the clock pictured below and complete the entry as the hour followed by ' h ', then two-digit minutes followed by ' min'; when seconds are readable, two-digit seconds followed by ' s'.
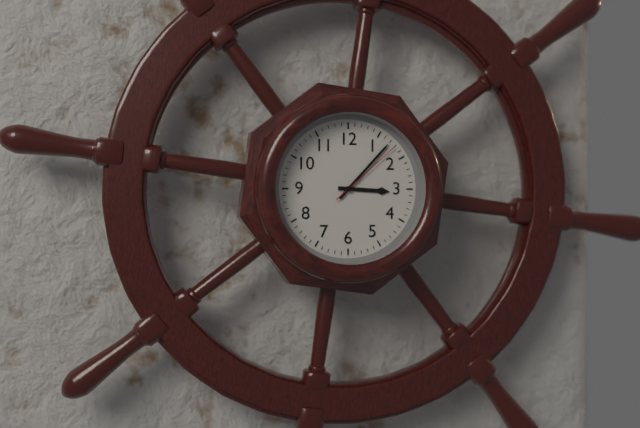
3 h 07 min 08 s
